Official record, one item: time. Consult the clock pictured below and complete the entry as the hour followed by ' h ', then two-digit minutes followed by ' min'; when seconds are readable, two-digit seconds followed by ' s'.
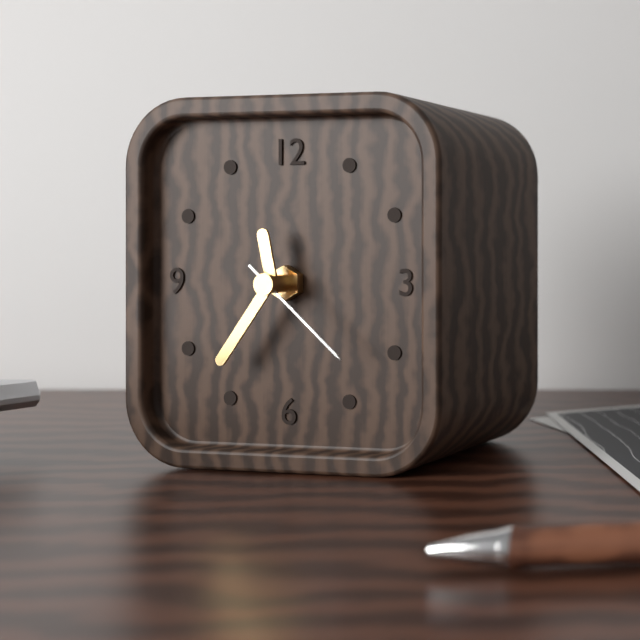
11 h 36 min 22 s
